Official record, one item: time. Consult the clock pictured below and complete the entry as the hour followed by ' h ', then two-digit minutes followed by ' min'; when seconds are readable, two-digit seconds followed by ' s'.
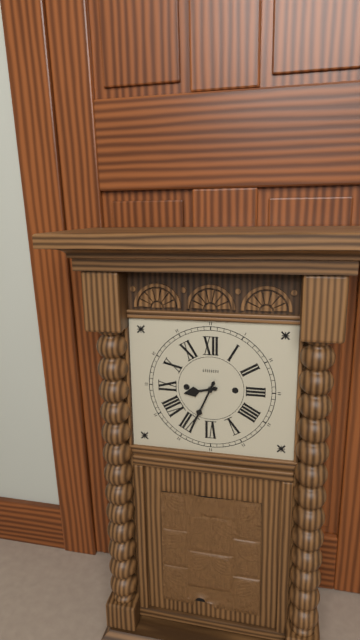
8 h 34 min
